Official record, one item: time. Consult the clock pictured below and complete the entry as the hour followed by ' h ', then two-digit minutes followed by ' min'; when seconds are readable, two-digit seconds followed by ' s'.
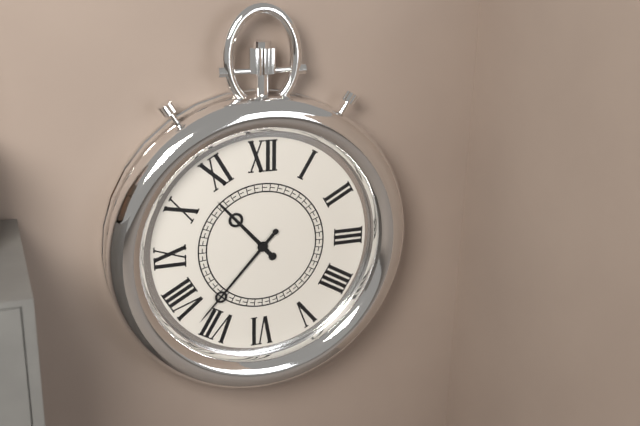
10 h 37 min
